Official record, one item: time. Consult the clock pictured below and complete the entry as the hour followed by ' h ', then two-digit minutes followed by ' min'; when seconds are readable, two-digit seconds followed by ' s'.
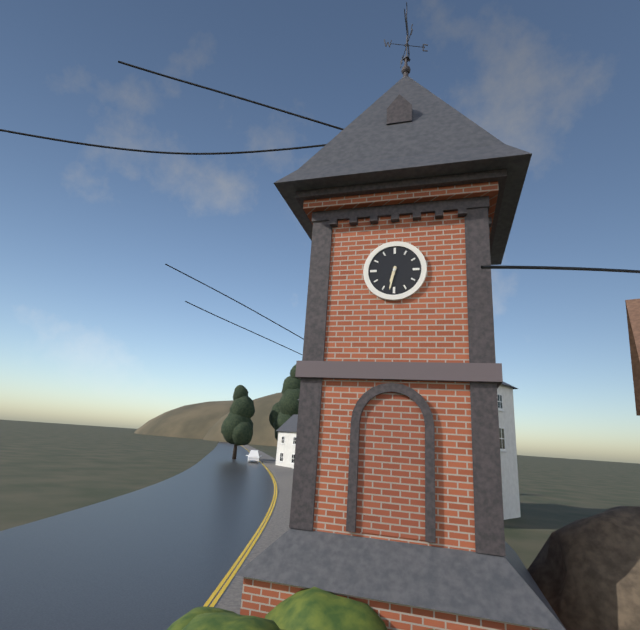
6 h 32 min
